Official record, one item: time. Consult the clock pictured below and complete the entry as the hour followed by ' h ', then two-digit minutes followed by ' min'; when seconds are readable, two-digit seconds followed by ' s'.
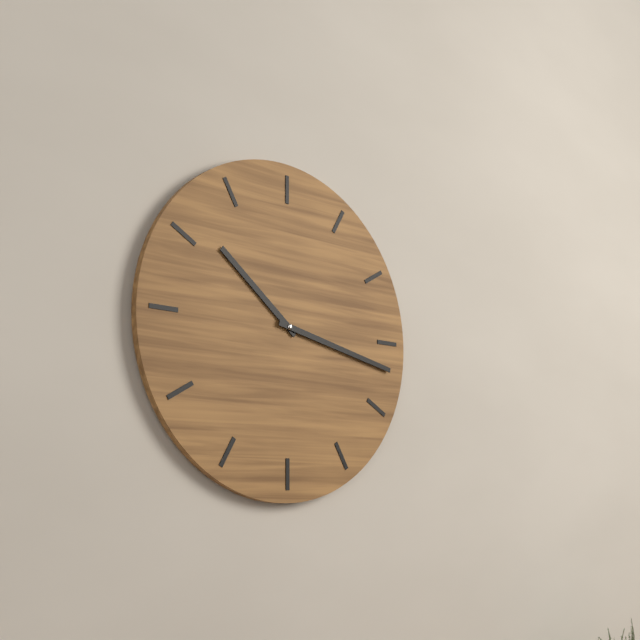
10 h 17 min
